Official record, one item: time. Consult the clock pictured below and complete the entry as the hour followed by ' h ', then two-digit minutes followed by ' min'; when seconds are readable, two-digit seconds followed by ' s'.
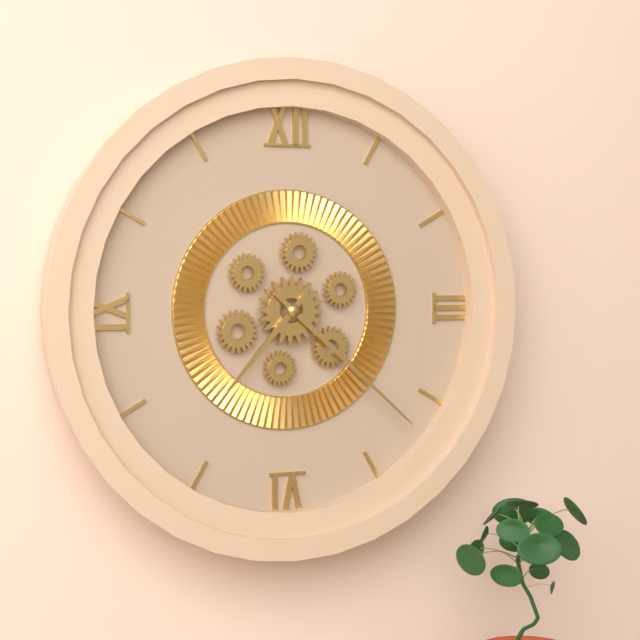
7 h 22 min
